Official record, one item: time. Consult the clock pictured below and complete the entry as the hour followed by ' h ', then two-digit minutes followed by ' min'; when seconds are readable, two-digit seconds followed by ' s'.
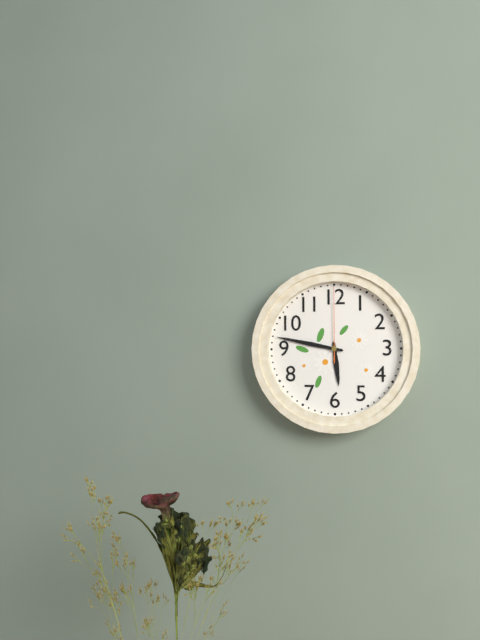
5 h 47 min 00 s
